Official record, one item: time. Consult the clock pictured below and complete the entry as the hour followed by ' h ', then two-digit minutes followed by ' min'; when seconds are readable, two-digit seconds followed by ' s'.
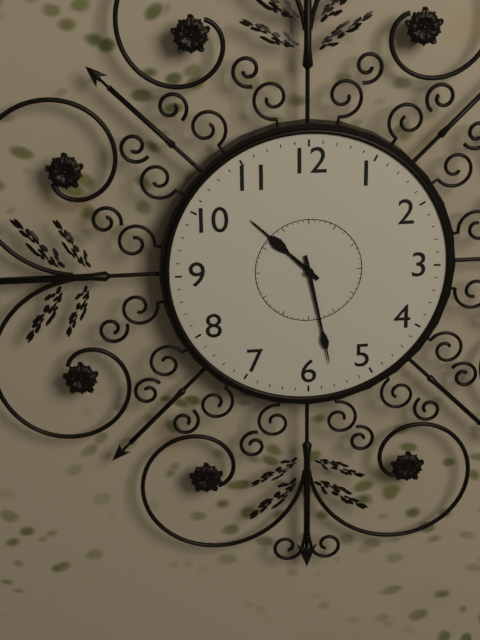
10 h 28 min
